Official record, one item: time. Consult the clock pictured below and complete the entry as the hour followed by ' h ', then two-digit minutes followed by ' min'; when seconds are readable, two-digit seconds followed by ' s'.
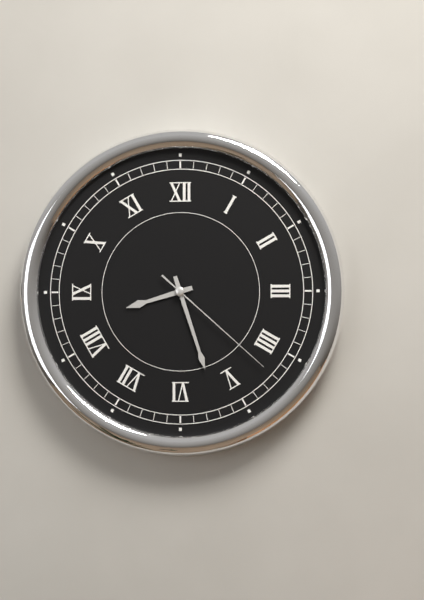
8 h 27 min 22 s
